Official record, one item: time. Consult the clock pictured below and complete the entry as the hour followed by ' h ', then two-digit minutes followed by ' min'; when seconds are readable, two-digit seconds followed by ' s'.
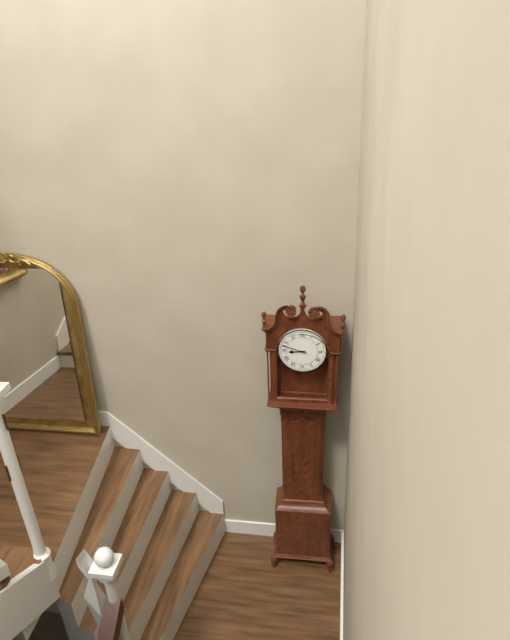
8 h 48 min
